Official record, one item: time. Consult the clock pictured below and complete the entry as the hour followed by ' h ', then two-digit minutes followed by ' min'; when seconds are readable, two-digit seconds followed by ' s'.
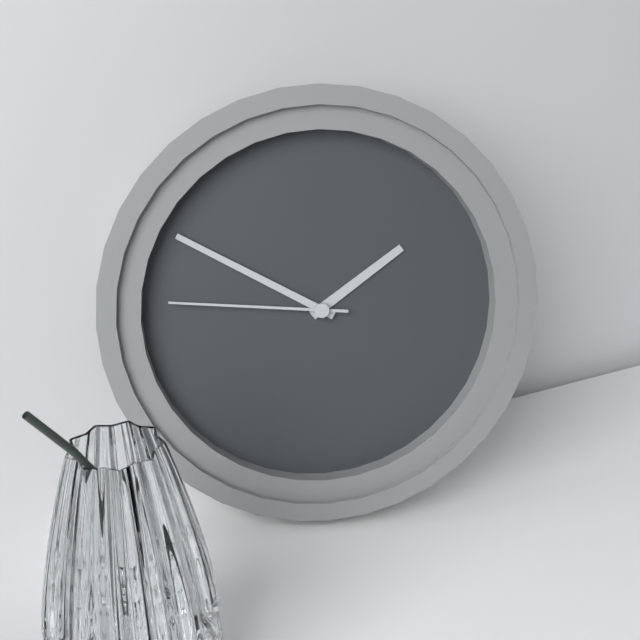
1 h 50 min 46 s
